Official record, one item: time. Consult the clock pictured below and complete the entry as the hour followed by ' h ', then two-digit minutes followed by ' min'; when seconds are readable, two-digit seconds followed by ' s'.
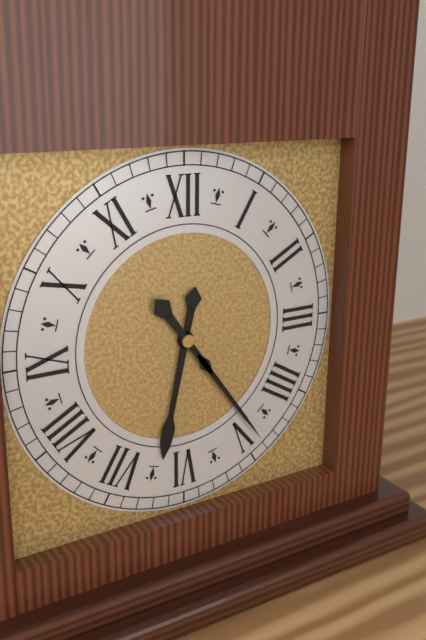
6 h 24 min
